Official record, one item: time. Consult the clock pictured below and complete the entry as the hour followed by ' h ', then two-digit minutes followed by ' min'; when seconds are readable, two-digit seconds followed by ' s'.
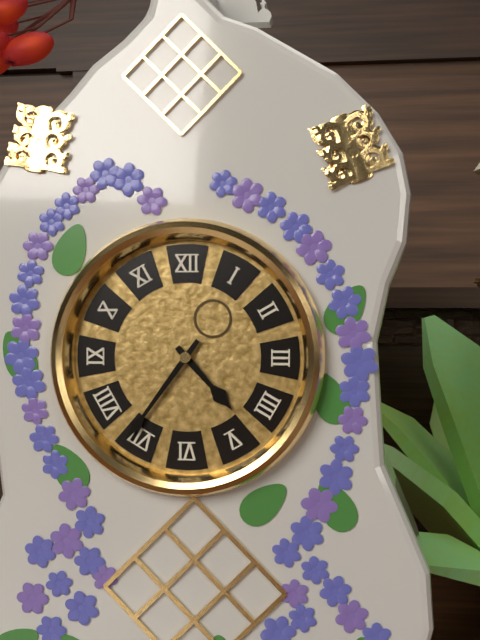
4 h 36 min
